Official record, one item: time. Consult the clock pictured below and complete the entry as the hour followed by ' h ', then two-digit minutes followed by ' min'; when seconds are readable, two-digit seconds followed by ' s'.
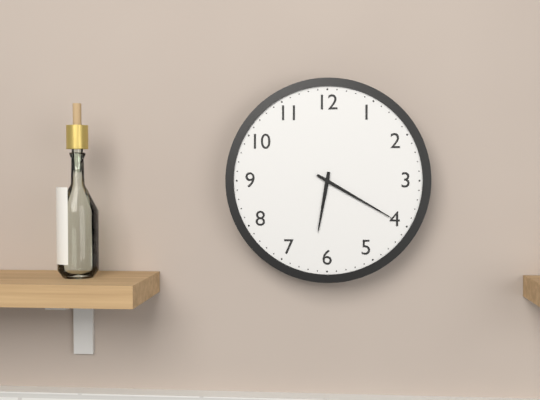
6 h 20 min
